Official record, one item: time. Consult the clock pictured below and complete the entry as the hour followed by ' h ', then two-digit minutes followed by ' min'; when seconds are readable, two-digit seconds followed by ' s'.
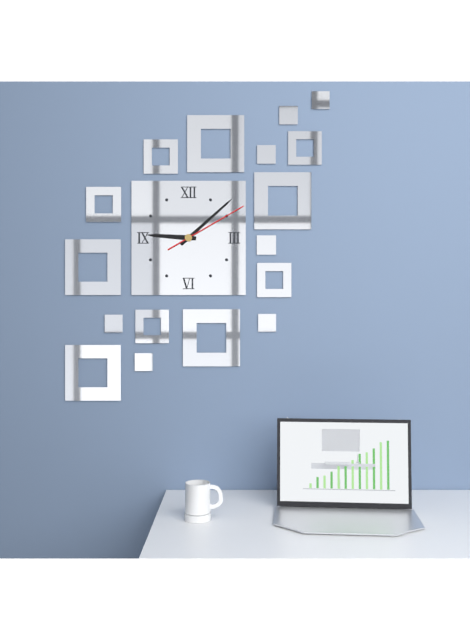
9 h 08 min 10 s
